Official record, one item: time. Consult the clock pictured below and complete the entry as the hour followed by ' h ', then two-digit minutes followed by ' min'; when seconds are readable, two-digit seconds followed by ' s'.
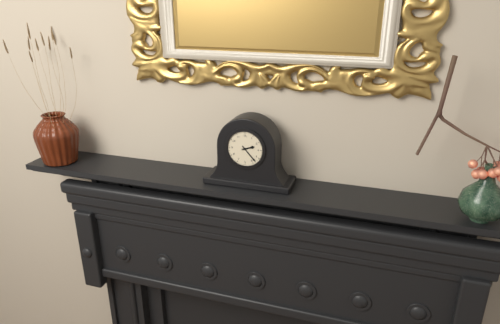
2 h 23 min
